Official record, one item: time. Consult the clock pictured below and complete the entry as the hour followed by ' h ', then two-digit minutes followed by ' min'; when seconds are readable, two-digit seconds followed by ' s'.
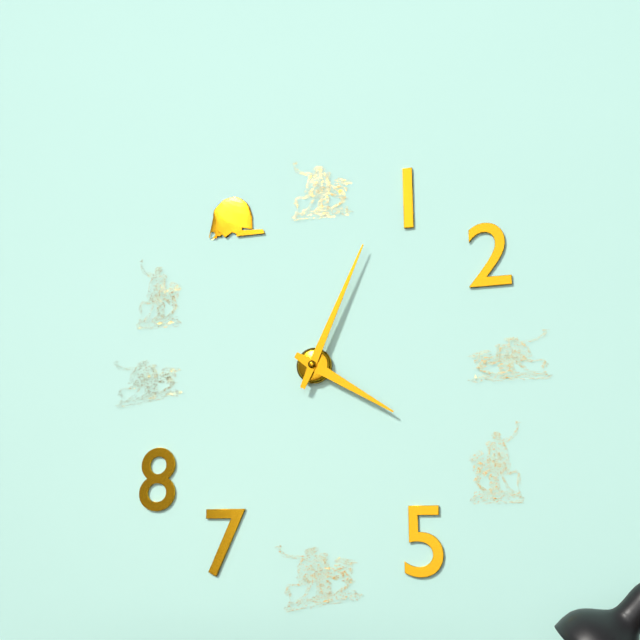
4 h 04 min
